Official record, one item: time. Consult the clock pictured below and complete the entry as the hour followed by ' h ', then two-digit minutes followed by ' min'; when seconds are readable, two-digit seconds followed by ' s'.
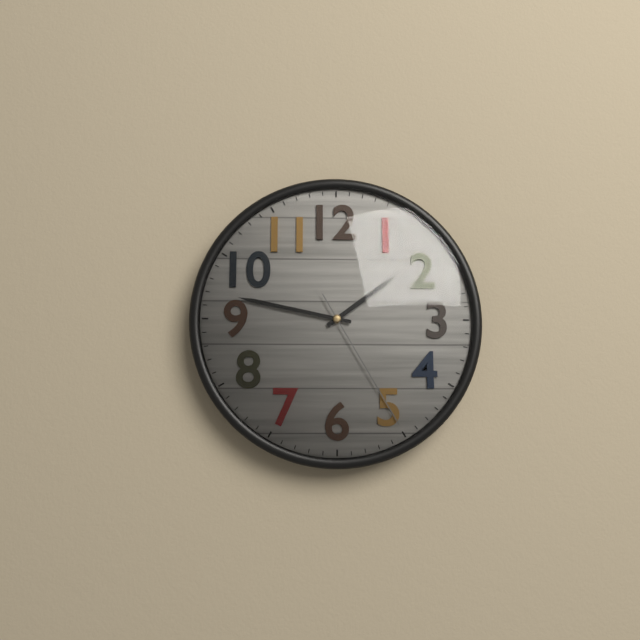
1 h 47 min 25 s
